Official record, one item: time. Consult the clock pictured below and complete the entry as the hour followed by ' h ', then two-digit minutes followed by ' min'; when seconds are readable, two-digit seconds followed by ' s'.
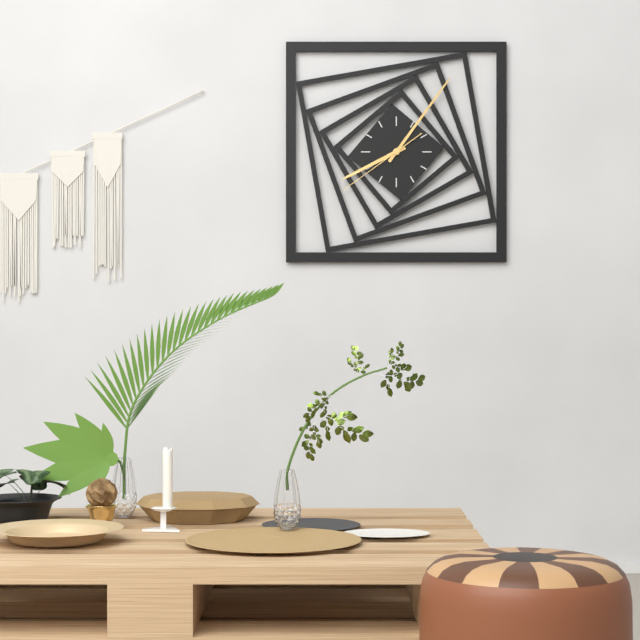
8 h 06 min 39 s
